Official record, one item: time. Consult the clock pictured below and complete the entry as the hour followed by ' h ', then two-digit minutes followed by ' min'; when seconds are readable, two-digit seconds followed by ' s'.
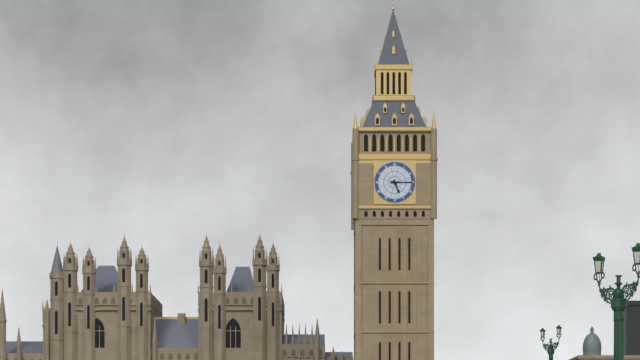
5 h 15 min
